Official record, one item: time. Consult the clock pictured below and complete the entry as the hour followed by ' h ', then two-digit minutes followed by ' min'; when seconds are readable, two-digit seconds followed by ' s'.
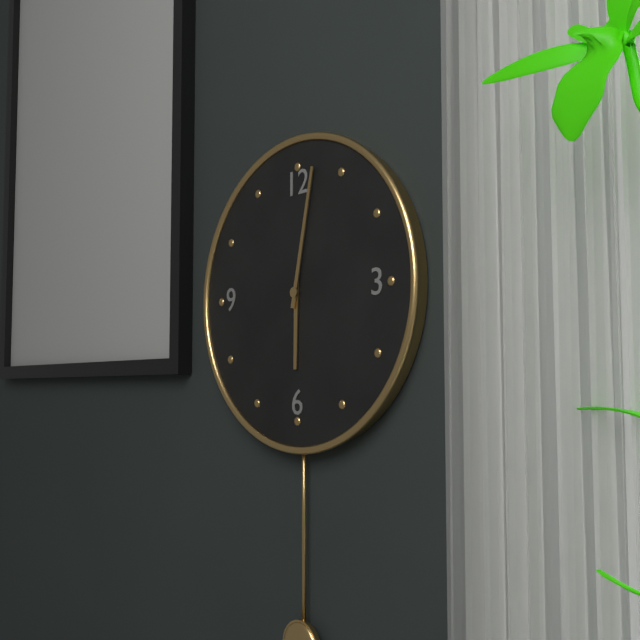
6 h 02 min
